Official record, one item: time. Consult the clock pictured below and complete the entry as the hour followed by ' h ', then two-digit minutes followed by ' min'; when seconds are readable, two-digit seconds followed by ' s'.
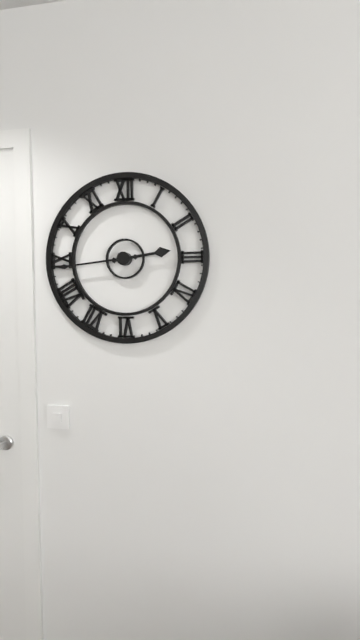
2 h 44 min
